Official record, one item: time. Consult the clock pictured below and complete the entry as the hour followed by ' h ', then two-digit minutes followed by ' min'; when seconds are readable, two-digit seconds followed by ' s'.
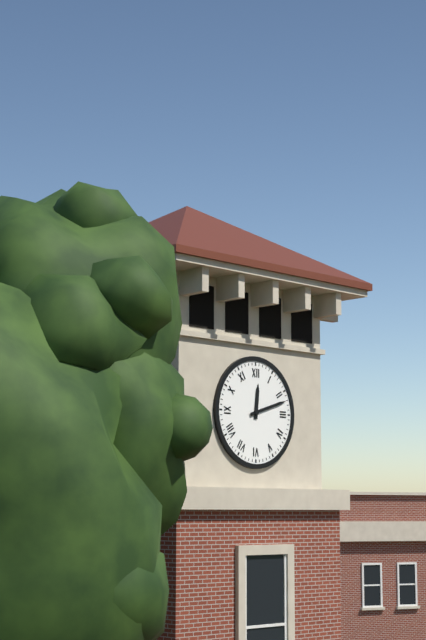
12 h 12 min
